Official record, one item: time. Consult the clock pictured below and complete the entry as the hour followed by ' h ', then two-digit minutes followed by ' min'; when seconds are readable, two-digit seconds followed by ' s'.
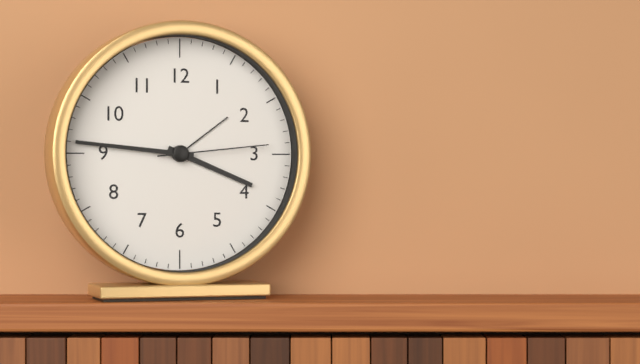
3 h 46 min 14 s
